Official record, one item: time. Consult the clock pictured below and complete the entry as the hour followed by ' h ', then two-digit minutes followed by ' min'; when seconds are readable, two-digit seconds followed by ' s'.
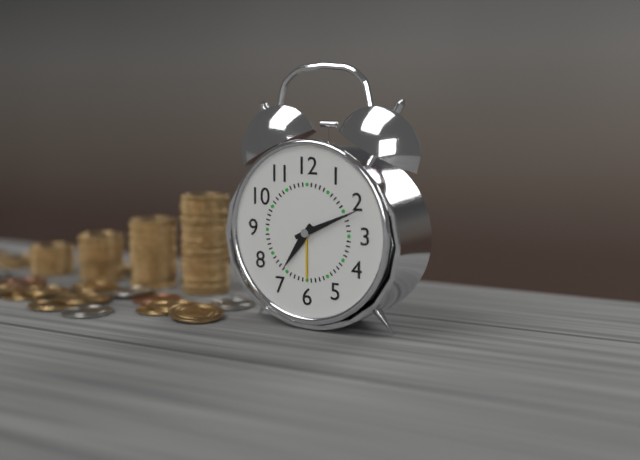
7 h 11 min
